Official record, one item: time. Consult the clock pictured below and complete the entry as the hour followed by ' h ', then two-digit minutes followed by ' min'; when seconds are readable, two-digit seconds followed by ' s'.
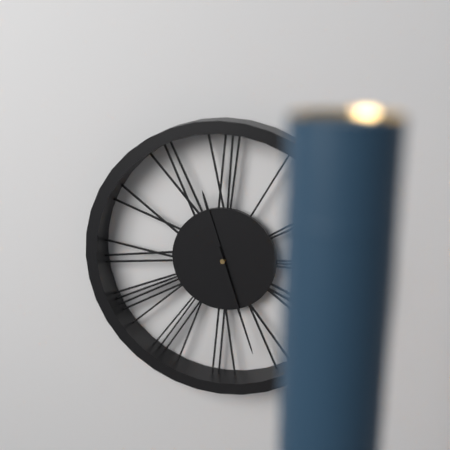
11 h 27 min
